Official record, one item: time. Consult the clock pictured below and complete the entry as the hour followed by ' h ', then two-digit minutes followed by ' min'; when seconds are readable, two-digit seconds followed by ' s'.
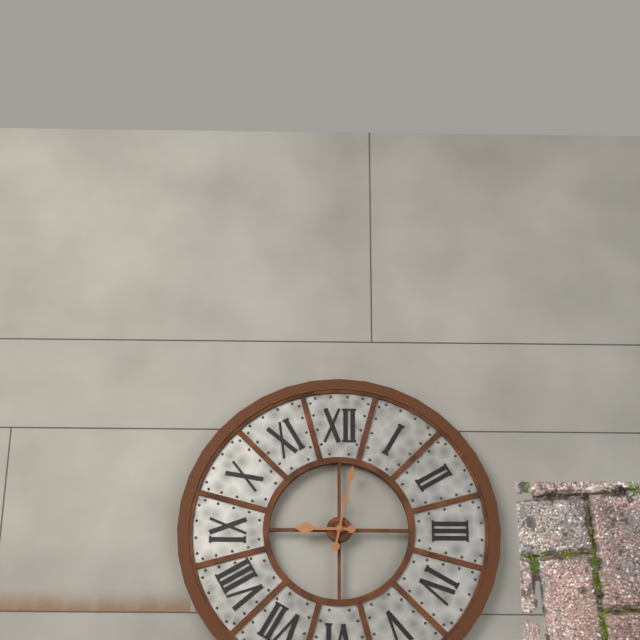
9 h 02 min
